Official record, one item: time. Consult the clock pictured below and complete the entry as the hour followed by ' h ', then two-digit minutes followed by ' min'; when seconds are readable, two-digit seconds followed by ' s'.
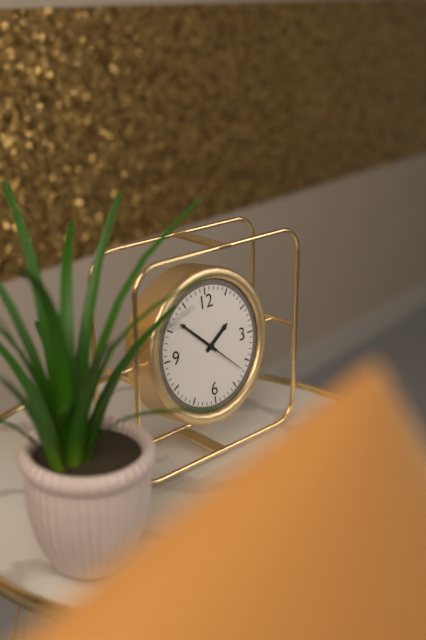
1 h 52 min
